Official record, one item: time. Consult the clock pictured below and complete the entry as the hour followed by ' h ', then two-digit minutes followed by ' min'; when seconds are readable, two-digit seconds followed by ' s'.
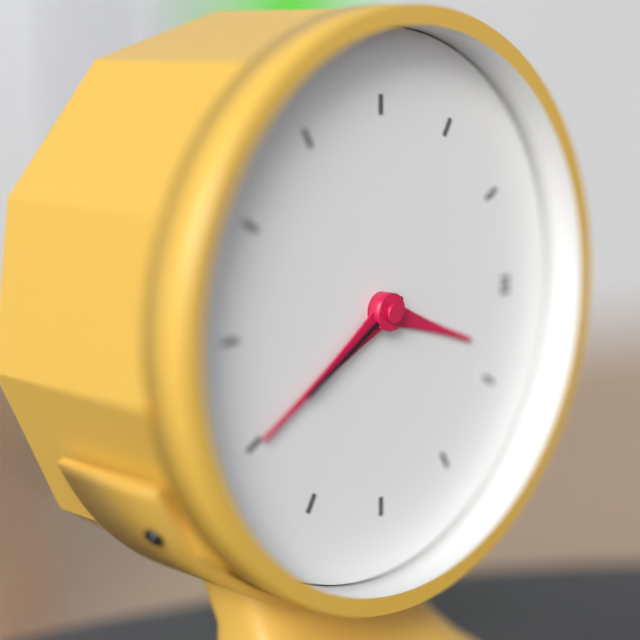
3 h 40 min 40 s
